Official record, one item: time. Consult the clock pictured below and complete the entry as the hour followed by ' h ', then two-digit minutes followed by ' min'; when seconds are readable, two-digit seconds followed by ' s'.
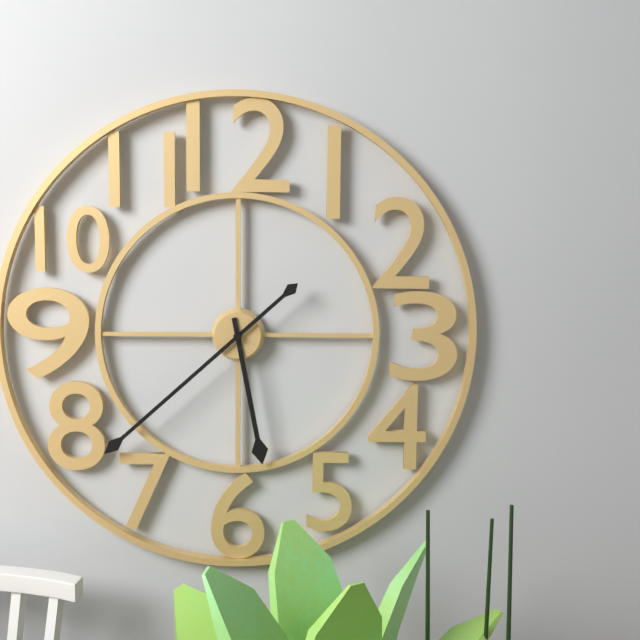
5 h 38 min
